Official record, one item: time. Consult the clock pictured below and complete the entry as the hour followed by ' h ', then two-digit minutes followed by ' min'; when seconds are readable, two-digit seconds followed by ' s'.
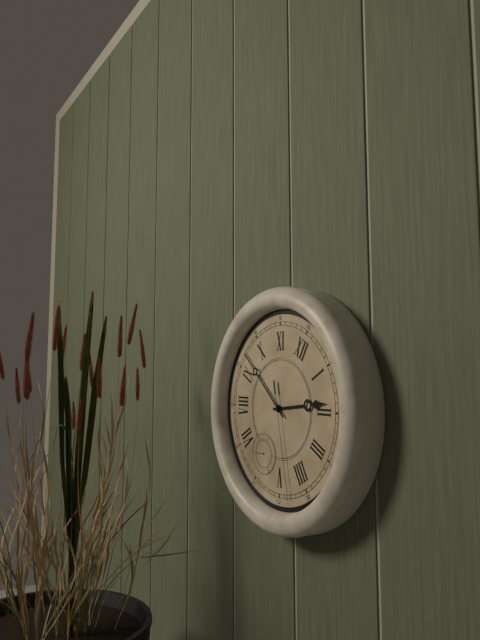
1 h 47 min 23 s
